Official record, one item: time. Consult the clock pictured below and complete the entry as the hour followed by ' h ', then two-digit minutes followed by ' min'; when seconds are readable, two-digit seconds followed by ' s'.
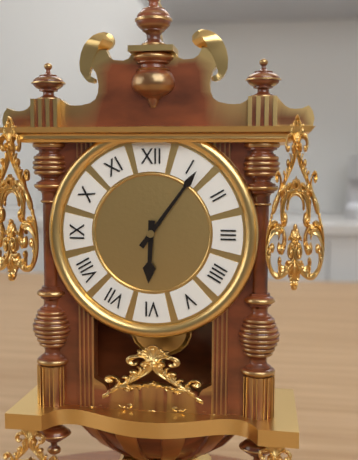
6 h 06 min
